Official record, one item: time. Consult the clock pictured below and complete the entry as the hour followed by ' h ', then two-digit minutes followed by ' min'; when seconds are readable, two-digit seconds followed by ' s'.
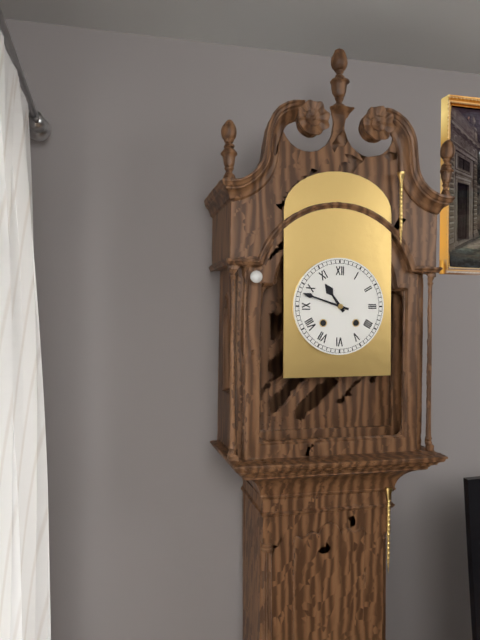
10 h 48 min
